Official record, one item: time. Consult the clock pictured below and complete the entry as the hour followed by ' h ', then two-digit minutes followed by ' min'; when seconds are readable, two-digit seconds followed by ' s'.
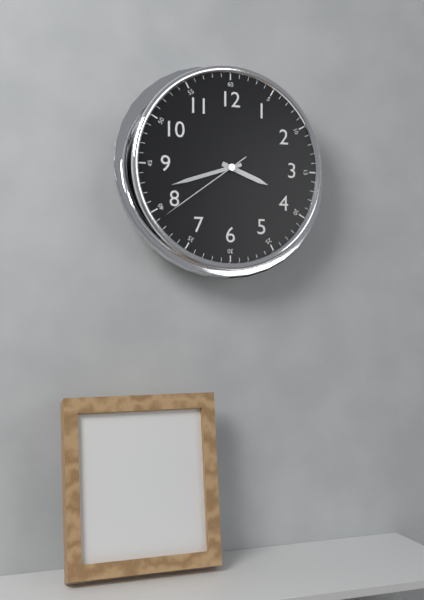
3 h 42 min 39 s
